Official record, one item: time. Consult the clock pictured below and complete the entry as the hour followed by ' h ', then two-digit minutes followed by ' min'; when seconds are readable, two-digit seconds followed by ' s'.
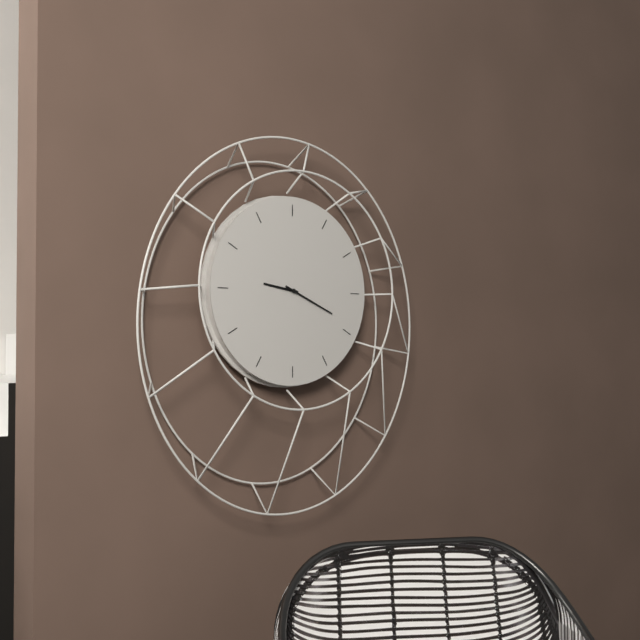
9 h 19 min
